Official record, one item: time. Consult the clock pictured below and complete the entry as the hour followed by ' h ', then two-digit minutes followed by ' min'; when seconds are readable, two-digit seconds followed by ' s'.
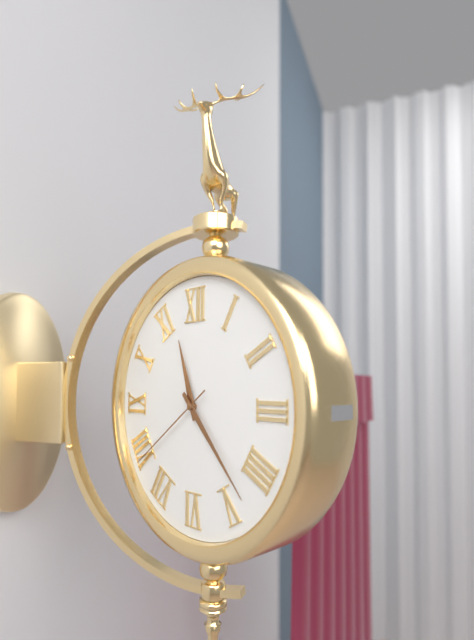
11 h 23 min 39 s
